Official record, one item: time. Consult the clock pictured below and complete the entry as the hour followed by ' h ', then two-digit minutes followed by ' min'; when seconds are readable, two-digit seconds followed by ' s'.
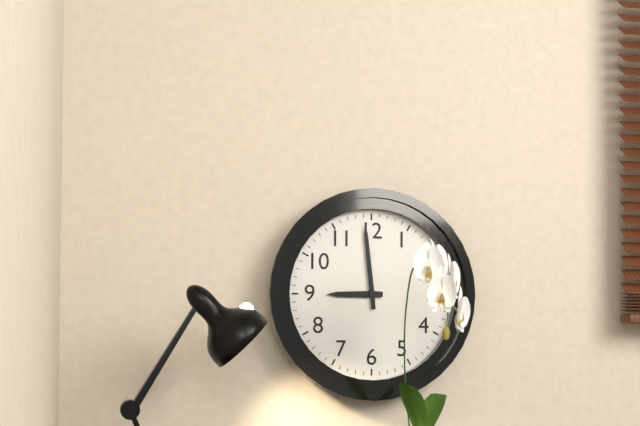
8 h 59 min
